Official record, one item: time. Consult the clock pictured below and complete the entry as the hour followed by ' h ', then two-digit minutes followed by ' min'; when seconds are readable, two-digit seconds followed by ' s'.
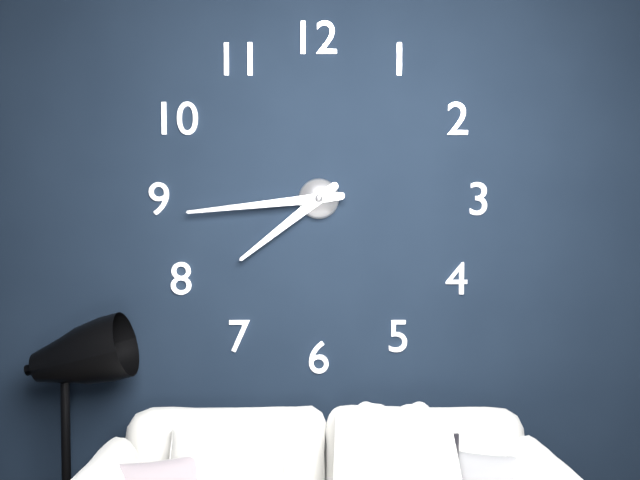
7 h 44 min
